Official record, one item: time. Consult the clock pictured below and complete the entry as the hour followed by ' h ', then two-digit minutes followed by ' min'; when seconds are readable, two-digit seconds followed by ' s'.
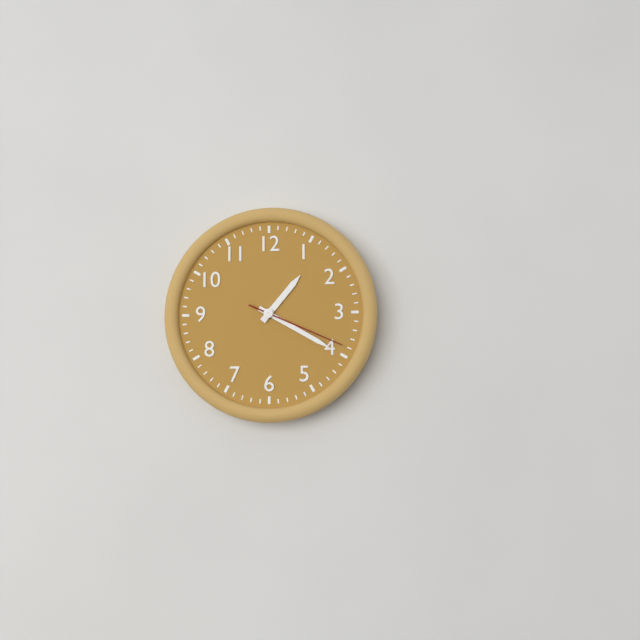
1 h 20 min 19 s
